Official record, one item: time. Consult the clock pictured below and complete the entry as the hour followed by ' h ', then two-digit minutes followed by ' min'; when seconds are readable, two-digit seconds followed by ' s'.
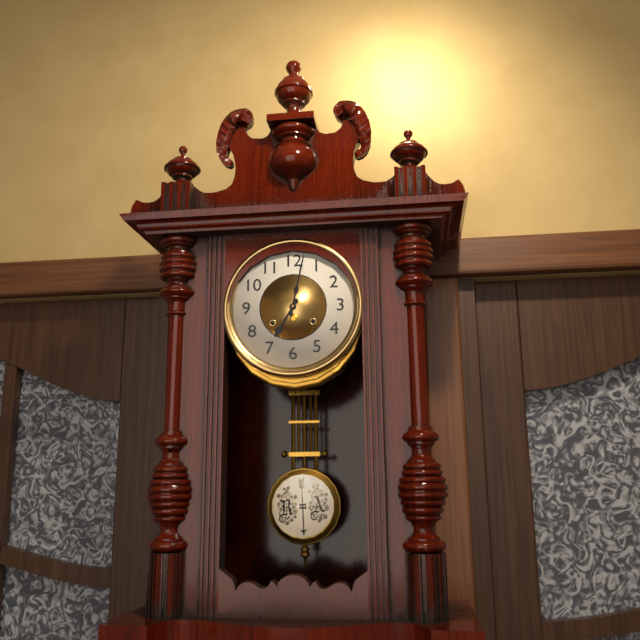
7 h 02 min
